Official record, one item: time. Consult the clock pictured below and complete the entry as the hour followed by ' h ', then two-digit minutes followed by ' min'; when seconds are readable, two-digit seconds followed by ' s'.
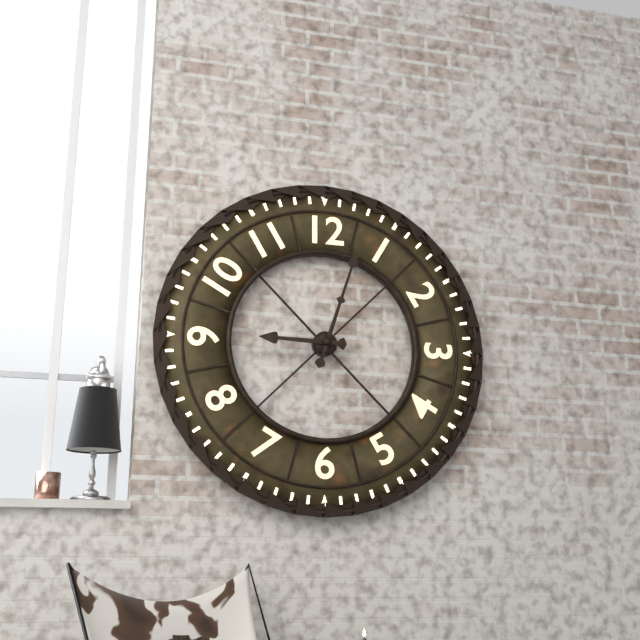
9 h 03 min
